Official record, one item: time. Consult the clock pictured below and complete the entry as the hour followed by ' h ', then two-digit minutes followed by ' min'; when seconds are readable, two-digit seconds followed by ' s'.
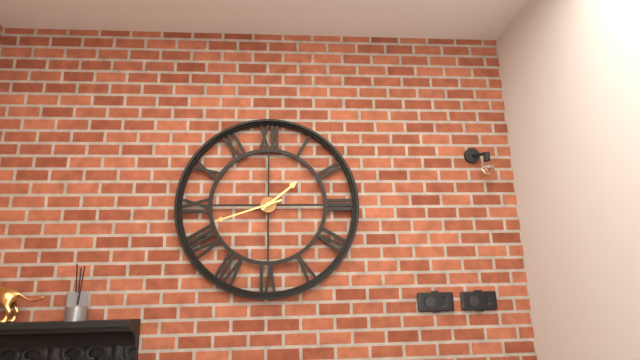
1 h 42 min
